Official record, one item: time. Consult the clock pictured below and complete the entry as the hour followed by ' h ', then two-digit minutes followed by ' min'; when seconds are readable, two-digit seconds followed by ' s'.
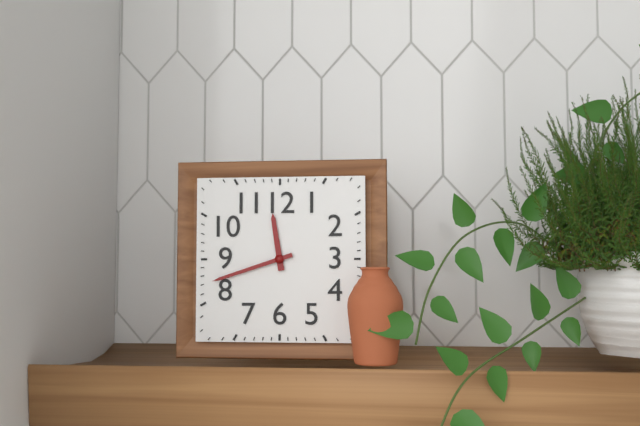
11 h 42 min
